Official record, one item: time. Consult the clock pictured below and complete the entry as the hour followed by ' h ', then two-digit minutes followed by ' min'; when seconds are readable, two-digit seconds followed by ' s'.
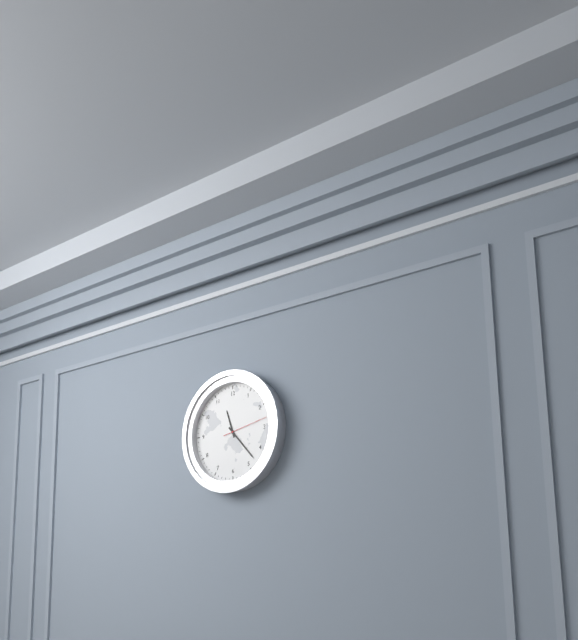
11 h 23 min
